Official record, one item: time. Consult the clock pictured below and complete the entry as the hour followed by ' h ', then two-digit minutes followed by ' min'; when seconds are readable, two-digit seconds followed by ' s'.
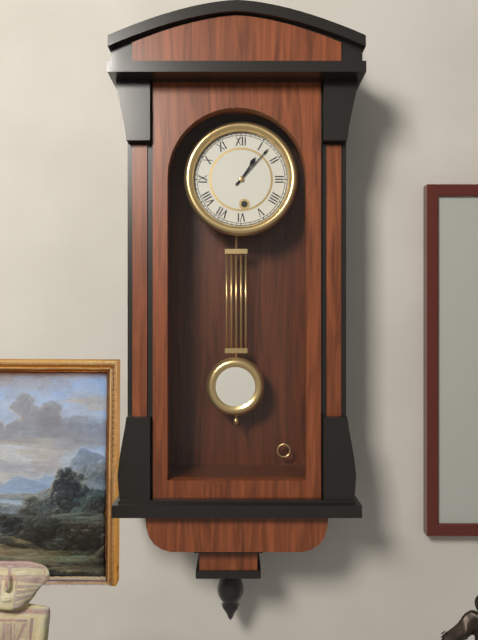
1 h 07 min
